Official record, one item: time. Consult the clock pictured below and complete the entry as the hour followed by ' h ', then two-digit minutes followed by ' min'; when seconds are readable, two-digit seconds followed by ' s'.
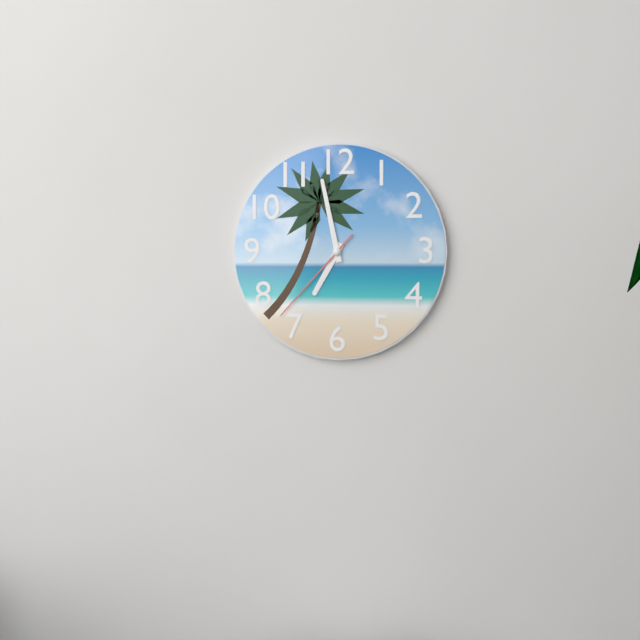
6 h 58 min 37 s
